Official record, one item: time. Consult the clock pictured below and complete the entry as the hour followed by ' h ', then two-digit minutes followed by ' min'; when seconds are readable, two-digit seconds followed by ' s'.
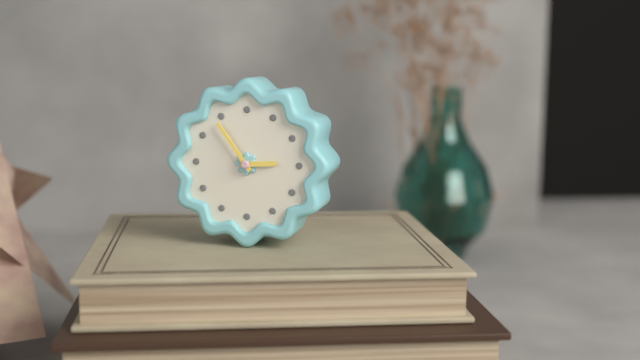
2 h 54 min
